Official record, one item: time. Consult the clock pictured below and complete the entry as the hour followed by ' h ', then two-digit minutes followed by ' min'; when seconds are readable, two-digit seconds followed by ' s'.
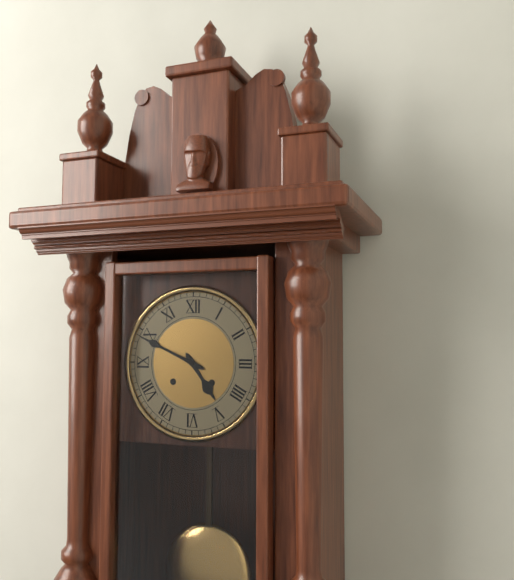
4 h 49 min
